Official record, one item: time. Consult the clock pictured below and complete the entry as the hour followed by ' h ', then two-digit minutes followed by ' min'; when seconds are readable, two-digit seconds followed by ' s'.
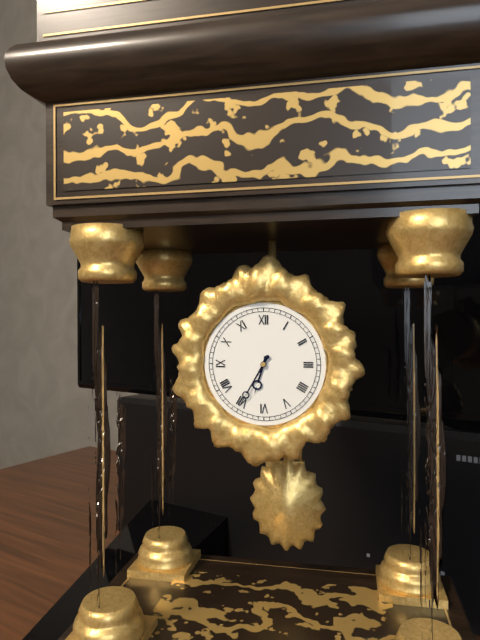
6 h 35 min
